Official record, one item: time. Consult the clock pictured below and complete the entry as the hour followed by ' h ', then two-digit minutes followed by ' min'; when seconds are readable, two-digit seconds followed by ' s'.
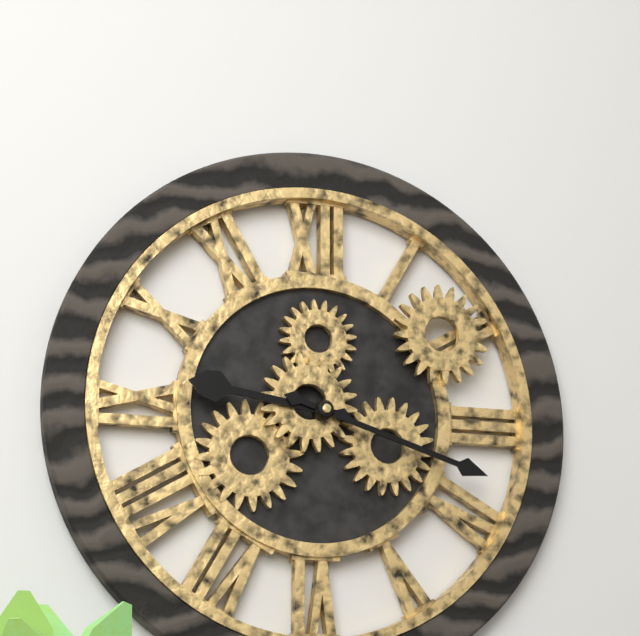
9 h 18 min
